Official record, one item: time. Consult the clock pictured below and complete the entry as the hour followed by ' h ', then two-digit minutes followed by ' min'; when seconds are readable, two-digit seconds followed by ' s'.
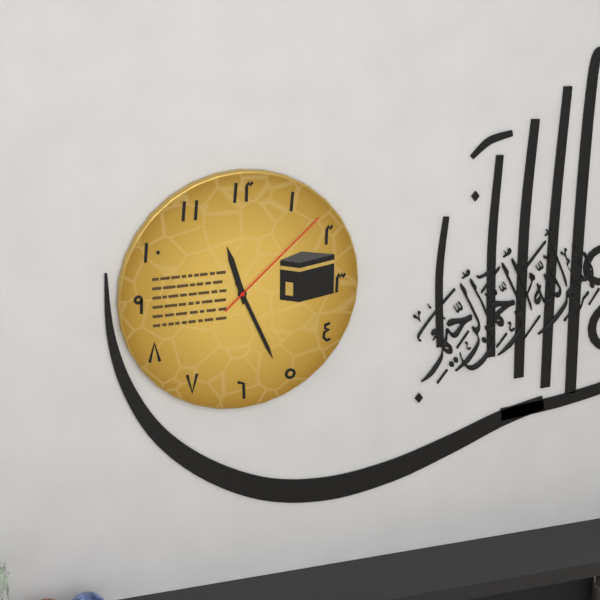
11 h 26 min 08 s
